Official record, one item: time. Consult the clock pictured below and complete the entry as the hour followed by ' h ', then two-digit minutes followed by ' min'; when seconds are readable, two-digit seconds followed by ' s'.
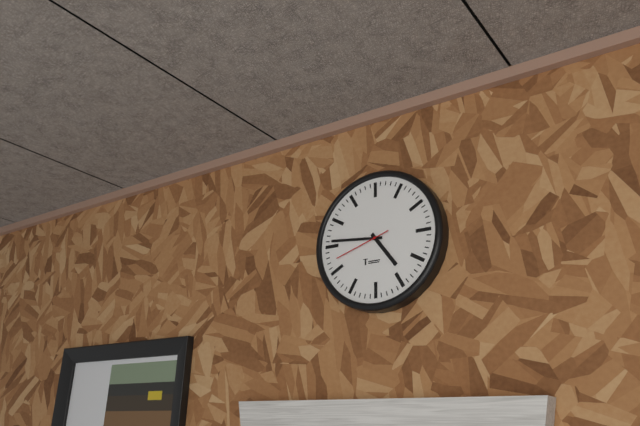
4 h 46 min 42 s
